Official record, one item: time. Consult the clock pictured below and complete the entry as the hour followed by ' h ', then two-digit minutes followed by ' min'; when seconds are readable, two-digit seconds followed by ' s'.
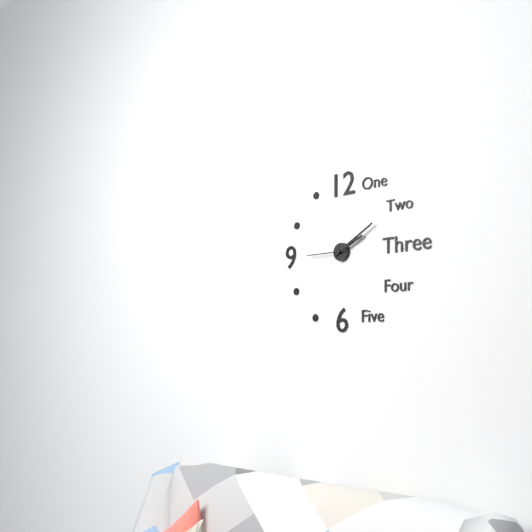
2 h 10 min
